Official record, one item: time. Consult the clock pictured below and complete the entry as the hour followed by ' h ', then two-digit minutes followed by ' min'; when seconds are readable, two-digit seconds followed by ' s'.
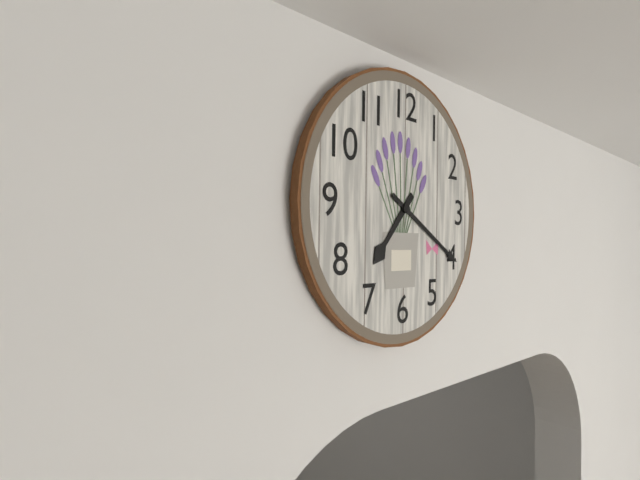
7 h 20 min
